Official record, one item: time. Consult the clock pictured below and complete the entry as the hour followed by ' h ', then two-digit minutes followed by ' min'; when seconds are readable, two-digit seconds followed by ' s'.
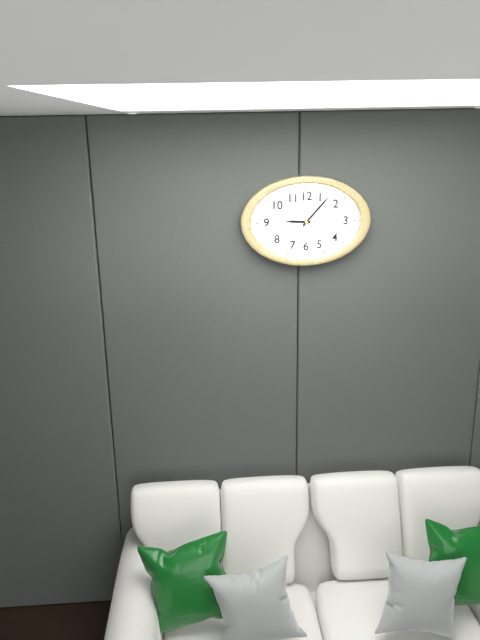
9 h 07 min
